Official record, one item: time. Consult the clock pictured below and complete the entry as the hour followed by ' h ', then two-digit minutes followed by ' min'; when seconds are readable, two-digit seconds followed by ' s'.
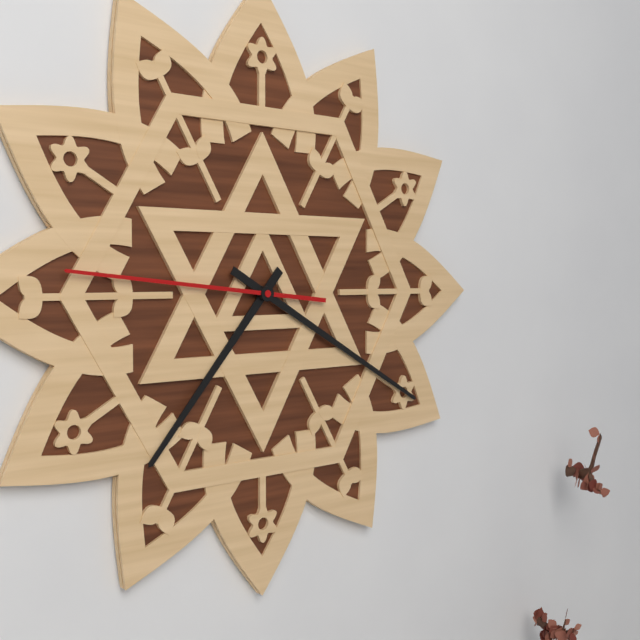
7 h 20 min 46 s
